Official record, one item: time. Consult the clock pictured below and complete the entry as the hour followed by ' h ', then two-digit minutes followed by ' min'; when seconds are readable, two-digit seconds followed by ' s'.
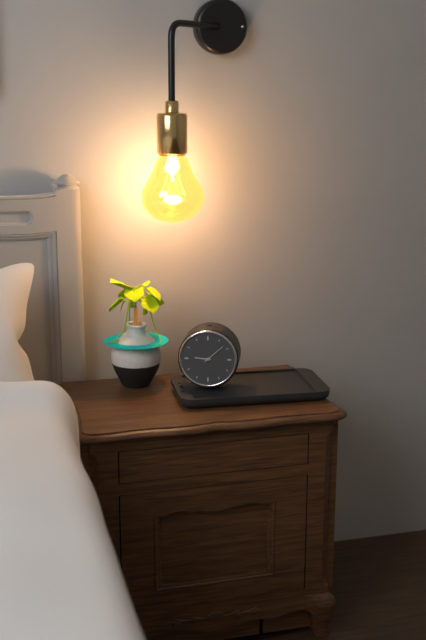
9 h 08 min
